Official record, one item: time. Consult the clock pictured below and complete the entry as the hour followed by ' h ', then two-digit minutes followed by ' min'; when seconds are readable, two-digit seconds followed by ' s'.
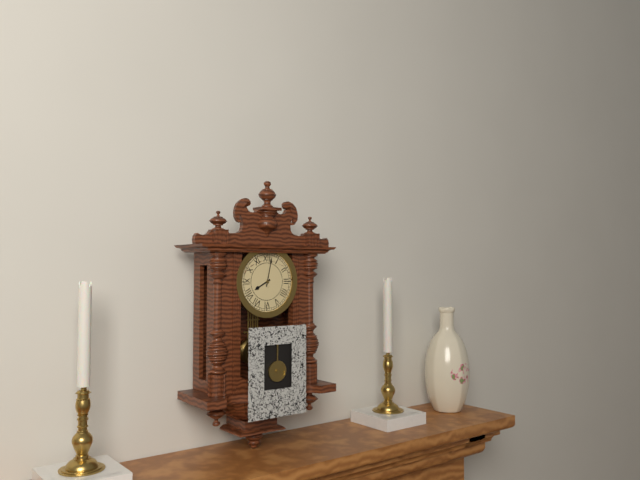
8 h 02 min
